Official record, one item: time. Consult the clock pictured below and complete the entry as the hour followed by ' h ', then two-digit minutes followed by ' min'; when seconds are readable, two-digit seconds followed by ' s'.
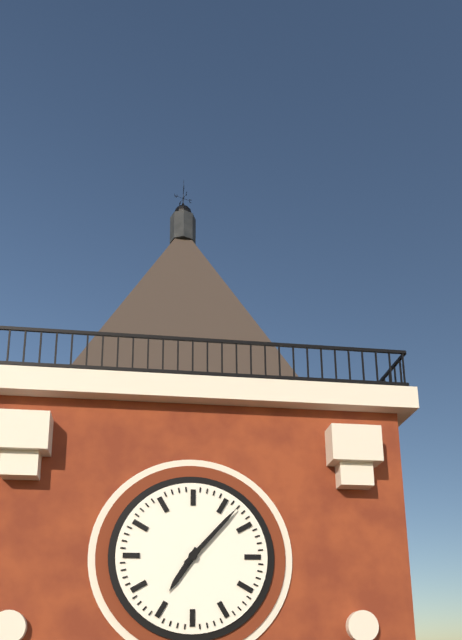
7 h 07 min
